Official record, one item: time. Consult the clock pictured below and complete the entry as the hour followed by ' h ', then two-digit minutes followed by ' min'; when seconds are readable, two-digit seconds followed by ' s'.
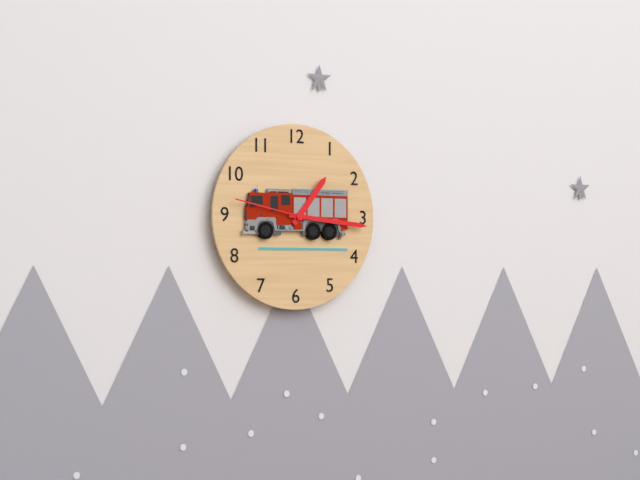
1 h 16 min 47 s
